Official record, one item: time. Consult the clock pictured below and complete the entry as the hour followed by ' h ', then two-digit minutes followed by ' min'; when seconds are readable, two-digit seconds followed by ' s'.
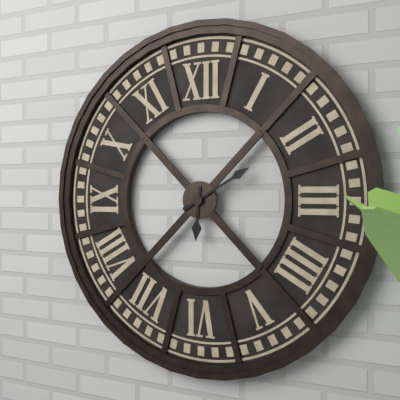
6 h 10 min
